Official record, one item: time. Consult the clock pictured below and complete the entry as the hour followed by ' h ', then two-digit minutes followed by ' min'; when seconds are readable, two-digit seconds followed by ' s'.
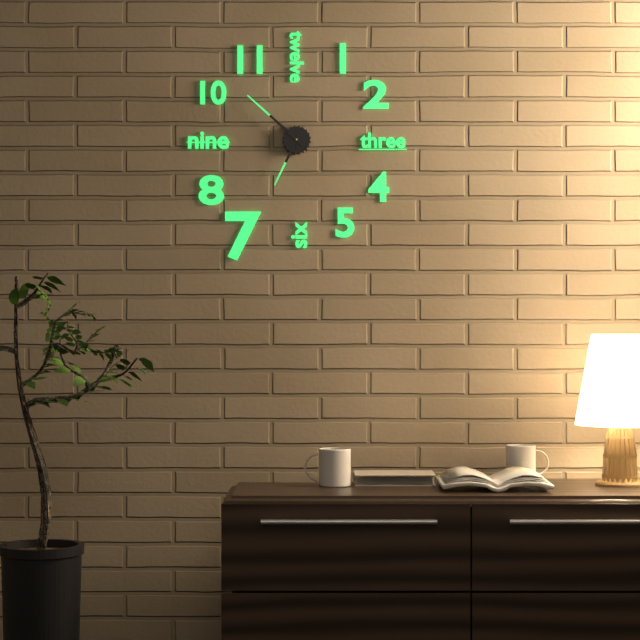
6 h 52 min
